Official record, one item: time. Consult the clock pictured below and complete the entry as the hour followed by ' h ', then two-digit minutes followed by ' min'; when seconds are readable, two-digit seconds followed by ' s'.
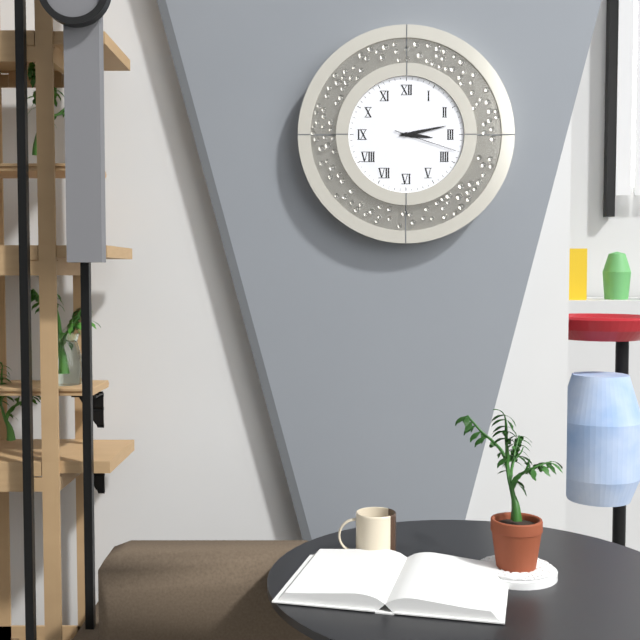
3 h 13 min 18 s
